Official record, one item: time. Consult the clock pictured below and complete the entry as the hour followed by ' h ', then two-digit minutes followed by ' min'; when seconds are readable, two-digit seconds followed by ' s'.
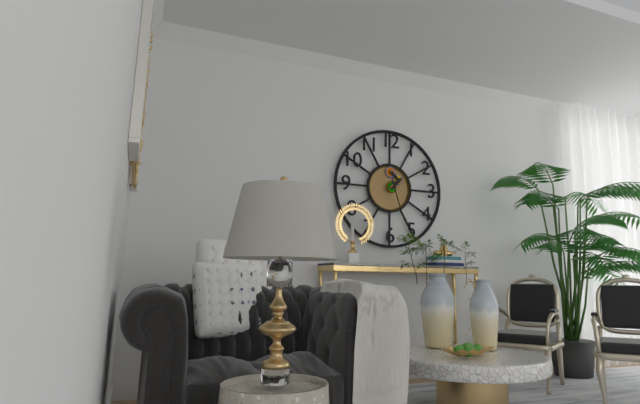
1 h 27 min
